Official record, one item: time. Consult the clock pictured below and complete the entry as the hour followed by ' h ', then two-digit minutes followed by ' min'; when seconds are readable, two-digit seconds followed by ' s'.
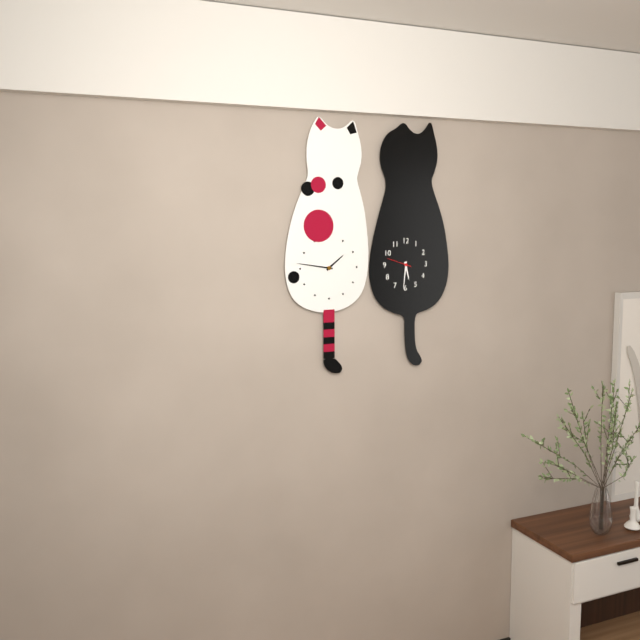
5 h 31 min
